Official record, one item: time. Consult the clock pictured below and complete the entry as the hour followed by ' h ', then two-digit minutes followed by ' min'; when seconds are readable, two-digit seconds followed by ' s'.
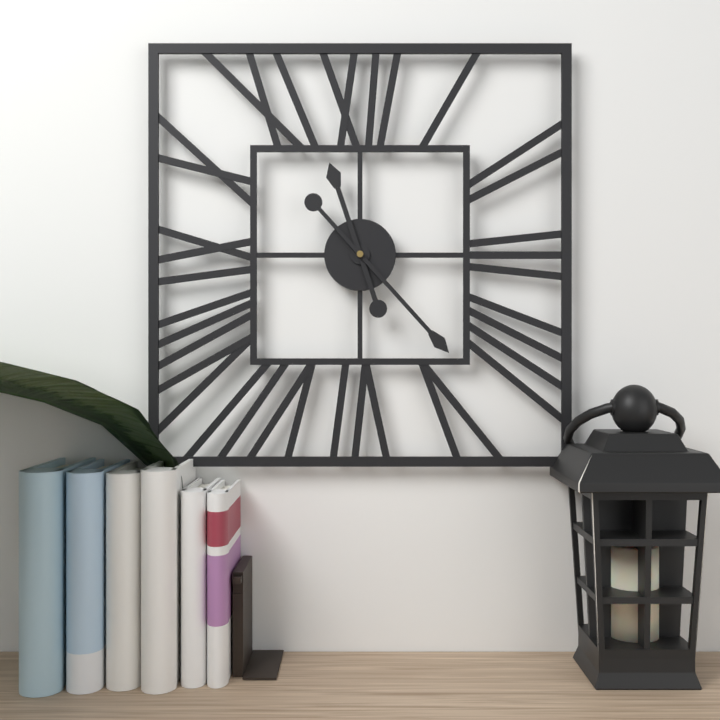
11 h 23 min
